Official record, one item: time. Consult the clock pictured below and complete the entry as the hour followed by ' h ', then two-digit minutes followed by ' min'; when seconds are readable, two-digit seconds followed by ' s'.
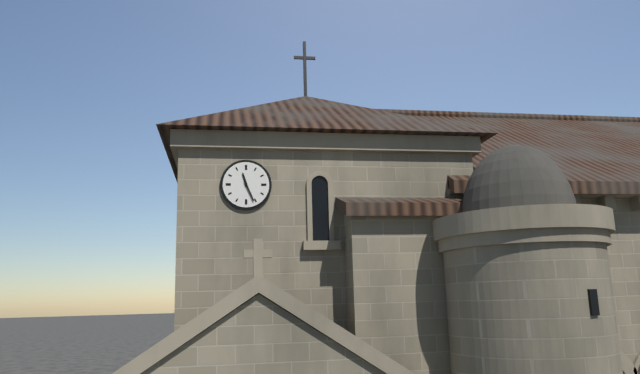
11 h 26 min
